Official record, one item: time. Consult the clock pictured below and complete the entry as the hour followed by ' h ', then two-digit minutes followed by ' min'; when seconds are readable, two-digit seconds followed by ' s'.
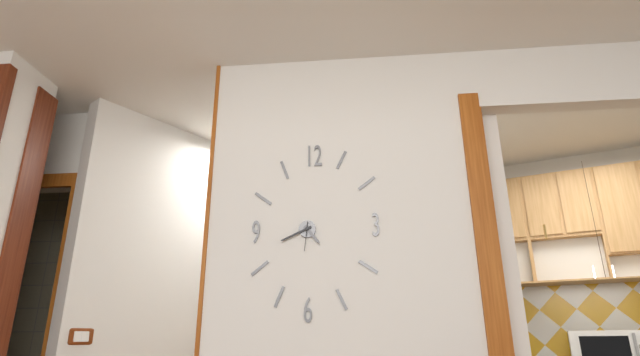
4 h 41 min
